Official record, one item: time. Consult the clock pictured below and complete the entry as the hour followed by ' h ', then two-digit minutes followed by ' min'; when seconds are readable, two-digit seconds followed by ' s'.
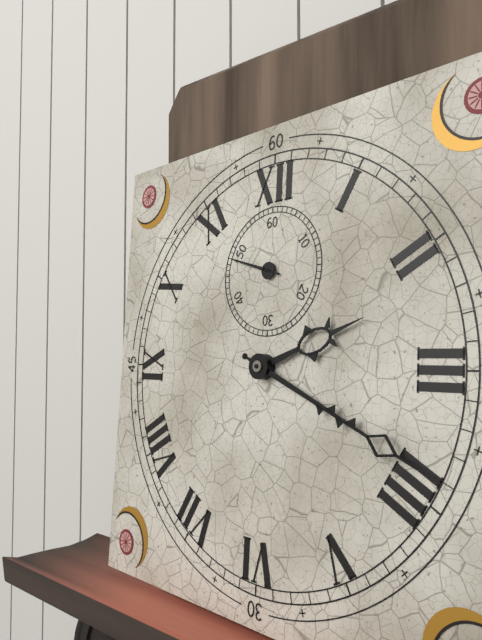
2 h 19 min 48 s
